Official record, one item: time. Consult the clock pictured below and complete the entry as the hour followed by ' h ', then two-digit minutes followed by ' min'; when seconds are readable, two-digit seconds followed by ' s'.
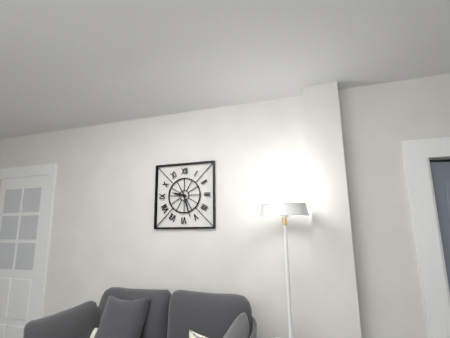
9 h 27 min
